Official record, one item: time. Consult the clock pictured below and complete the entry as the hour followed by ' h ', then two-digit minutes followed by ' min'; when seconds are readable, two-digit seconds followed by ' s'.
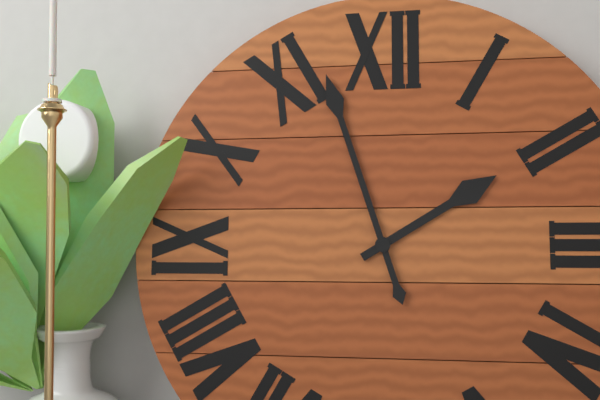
1 h 57 min
